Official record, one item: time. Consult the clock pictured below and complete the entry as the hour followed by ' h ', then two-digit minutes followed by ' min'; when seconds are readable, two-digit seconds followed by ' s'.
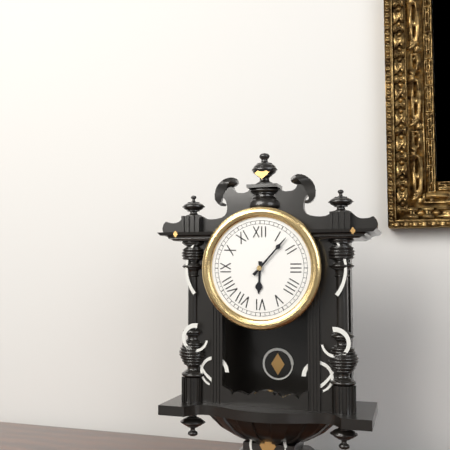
6 h 07 min
